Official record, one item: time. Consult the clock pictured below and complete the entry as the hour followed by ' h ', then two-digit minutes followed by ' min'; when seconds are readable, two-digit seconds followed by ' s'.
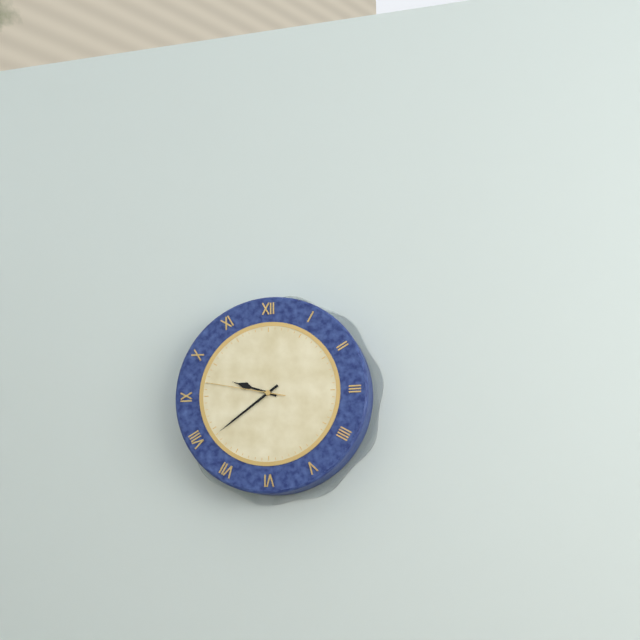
9 h 39 min 47 s
